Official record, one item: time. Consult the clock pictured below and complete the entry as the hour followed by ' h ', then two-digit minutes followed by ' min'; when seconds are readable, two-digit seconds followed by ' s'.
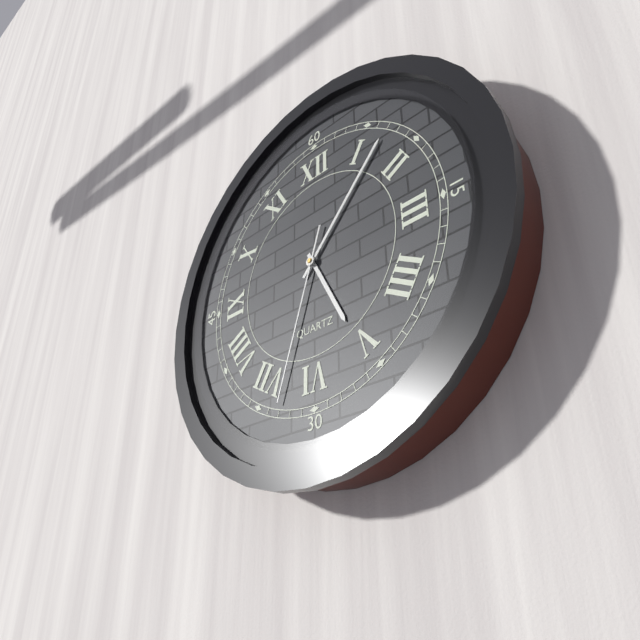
5 h 07 min 33 s
